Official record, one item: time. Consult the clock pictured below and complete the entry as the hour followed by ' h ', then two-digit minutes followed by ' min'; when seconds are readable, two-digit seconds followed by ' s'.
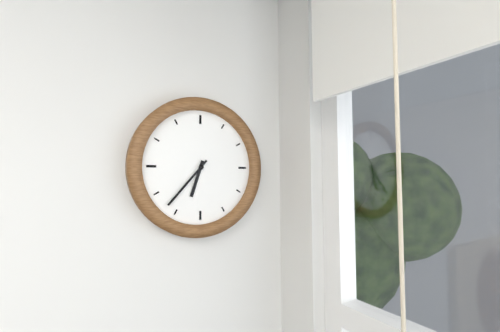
6 h 37 min
